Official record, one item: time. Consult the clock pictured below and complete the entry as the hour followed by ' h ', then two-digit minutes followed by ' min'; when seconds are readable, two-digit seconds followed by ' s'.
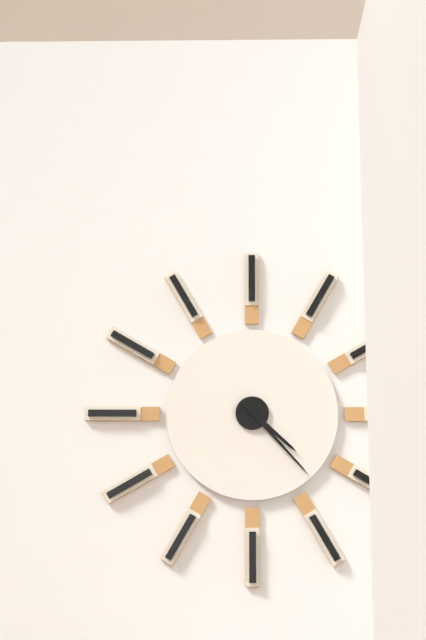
4 h 23 min
